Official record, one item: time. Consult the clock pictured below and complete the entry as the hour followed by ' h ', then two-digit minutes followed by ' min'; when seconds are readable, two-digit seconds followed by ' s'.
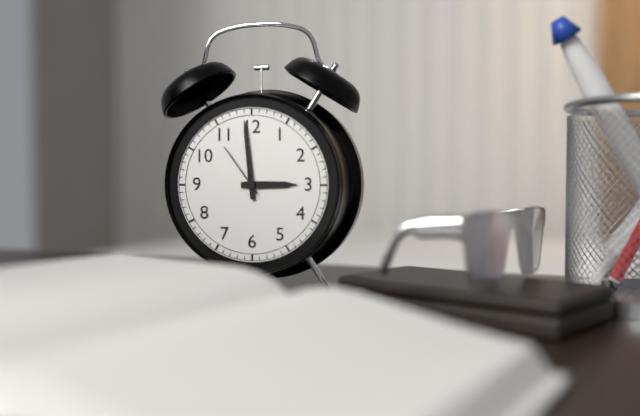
2 h 59 min 54 s
